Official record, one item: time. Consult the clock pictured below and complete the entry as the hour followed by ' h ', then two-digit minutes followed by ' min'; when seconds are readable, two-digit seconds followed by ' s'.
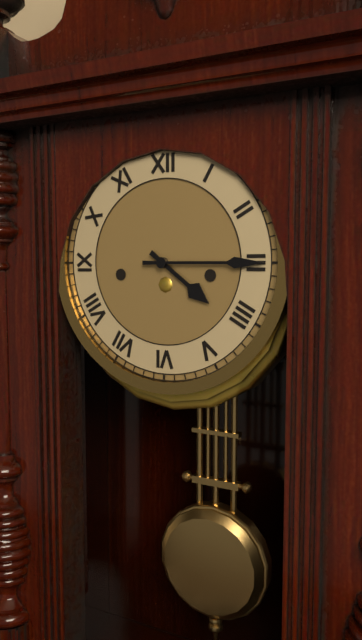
4 h 15 min
